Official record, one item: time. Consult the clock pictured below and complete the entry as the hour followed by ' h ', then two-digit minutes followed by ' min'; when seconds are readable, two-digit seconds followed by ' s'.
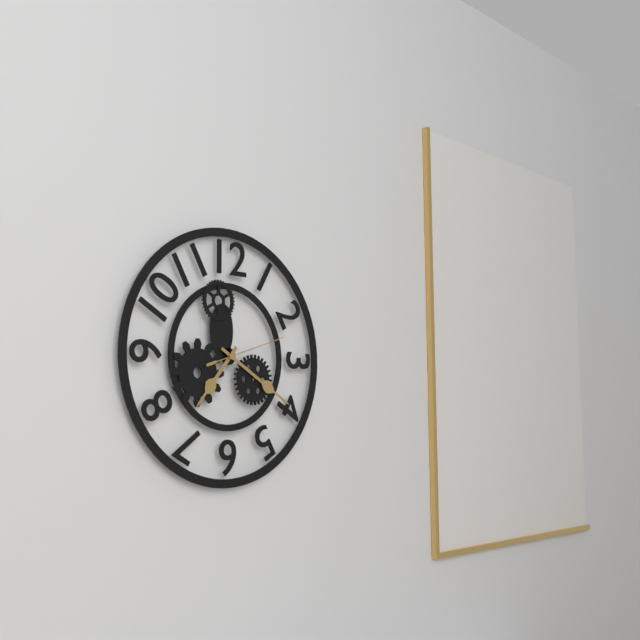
7 h 20 min 12 s
